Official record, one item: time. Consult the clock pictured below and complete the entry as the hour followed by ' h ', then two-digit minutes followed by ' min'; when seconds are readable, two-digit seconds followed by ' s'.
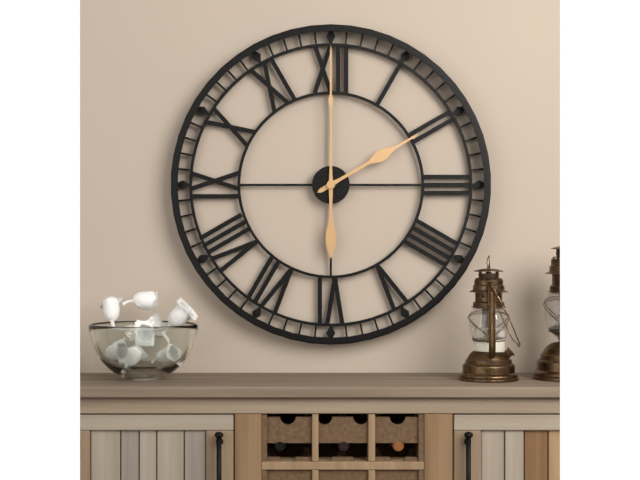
2 h 00 min
